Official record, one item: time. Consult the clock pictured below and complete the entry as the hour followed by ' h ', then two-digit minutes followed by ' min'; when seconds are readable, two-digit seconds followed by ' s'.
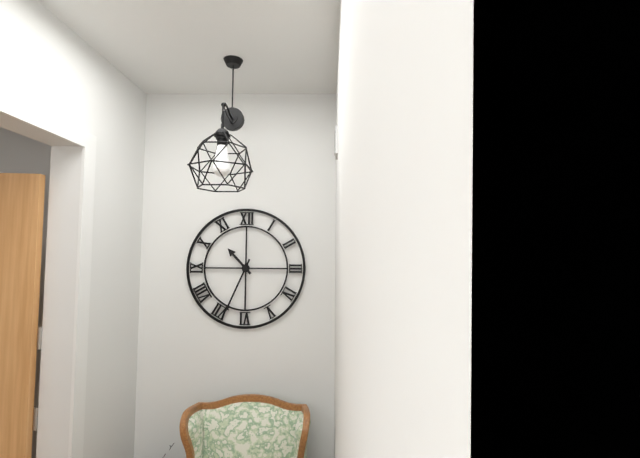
10 h 34 min
